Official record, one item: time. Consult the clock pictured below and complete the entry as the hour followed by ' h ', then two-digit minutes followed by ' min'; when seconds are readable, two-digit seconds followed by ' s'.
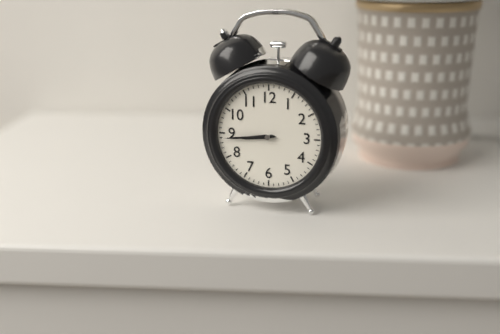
8 h 44 min
